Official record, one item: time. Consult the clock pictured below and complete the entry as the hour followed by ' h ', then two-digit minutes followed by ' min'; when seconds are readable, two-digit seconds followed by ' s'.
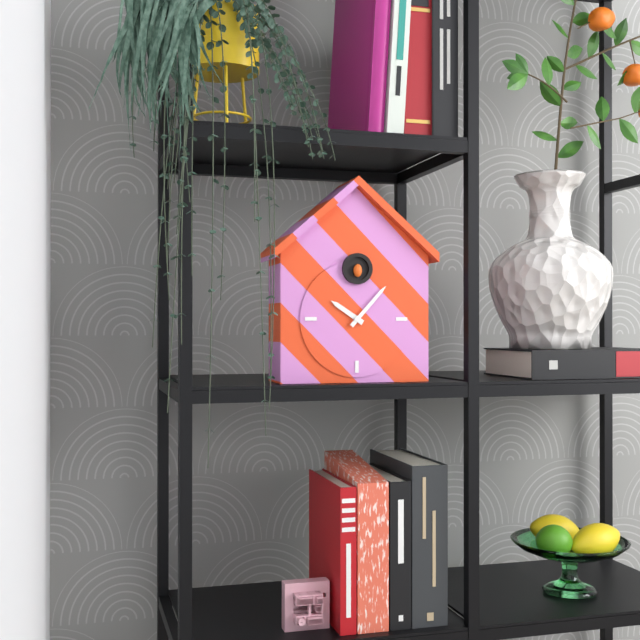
10 h 07 min
